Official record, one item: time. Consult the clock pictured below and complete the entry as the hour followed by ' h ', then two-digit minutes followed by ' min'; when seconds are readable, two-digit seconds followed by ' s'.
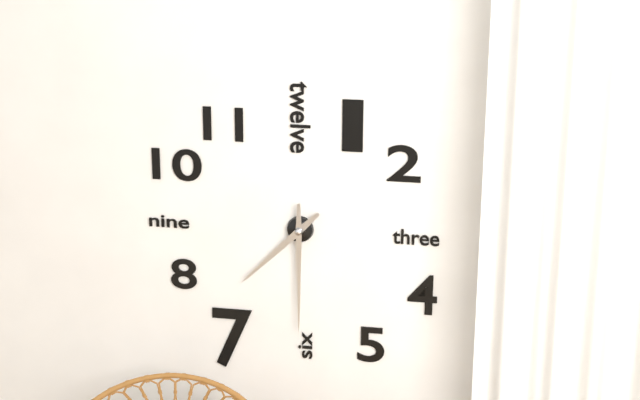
7 h 30 min
